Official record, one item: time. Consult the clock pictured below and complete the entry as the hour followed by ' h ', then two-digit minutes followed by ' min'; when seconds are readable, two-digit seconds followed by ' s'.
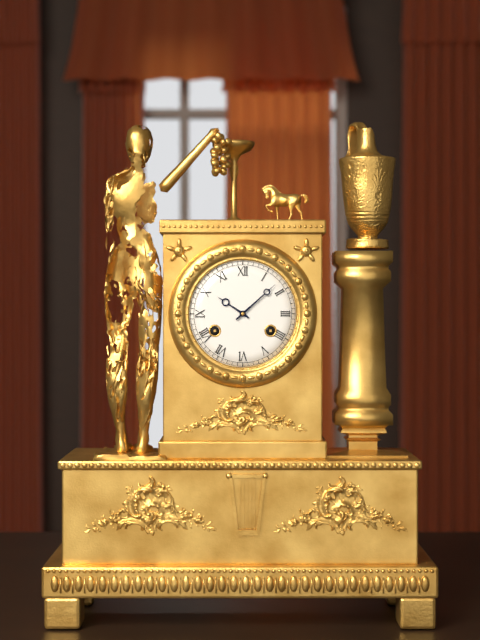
10 h 08 min
